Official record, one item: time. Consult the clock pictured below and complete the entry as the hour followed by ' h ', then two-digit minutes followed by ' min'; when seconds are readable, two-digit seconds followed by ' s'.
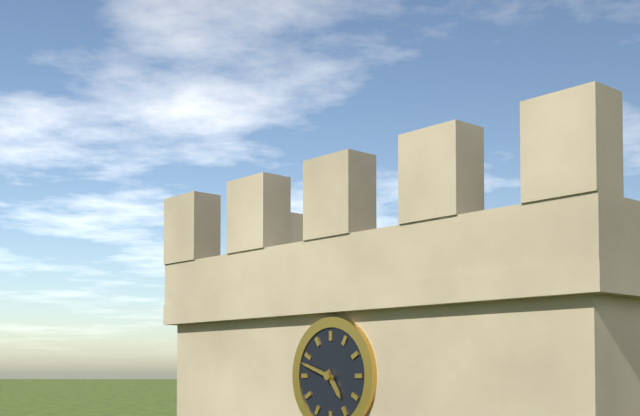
4 h 48 min
